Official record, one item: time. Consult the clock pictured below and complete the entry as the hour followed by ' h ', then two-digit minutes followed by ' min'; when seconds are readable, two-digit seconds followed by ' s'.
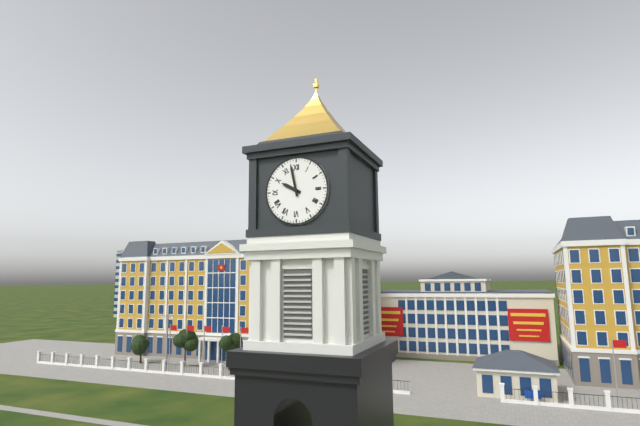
9 h 58 min
